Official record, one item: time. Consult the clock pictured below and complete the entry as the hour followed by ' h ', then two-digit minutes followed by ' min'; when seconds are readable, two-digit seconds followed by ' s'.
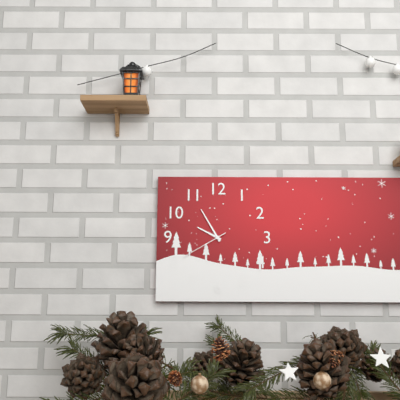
9 h 55 min
